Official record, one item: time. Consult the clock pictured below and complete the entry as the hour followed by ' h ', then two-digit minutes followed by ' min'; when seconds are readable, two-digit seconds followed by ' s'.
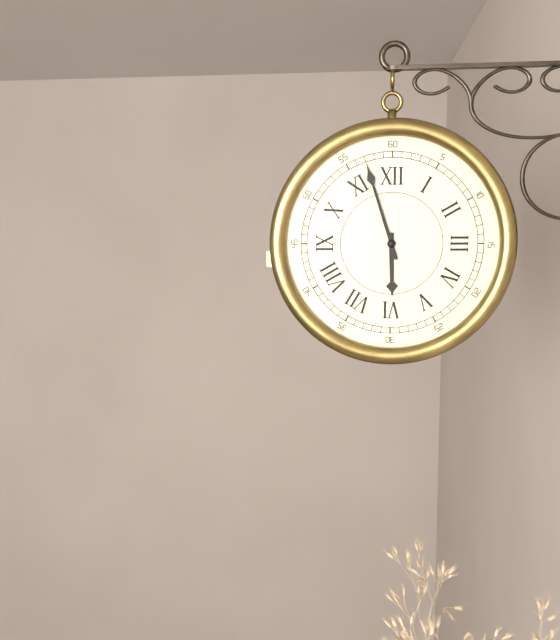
5 h 57 min
